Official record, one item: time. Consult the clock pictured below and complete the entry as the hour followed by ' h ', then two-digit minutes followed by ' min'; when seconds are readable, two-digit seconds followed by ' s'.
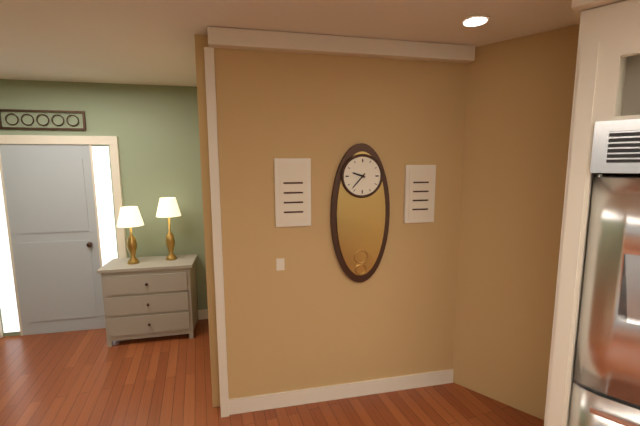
9 h 37 min
